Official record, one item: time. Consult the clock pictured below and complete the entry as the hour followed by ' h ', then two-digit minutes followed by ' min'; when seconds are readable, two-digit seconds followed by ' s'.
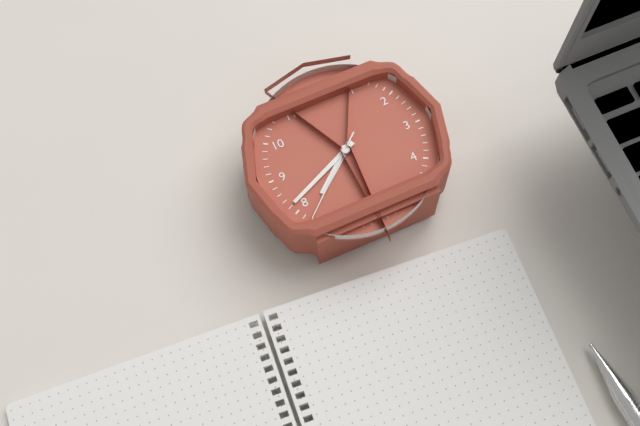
7 h 41 min 38 s
